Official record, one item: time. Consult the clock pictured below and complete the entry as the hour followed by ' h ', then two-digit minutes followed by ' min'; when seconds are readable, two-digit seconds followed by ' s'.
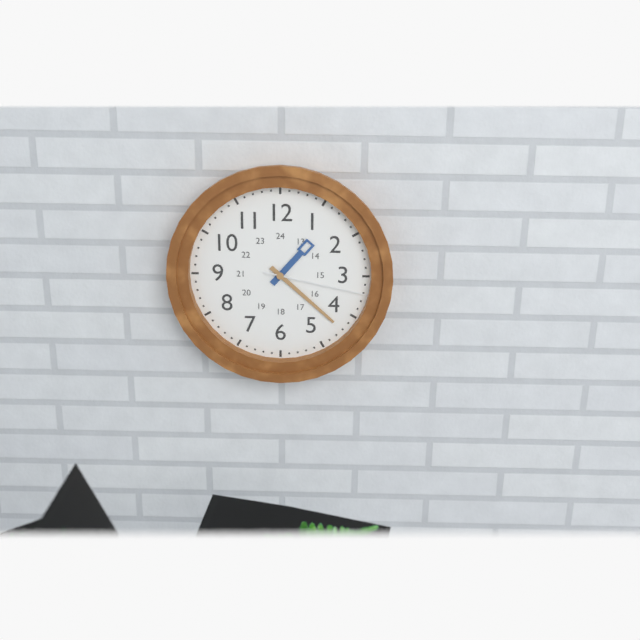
1 h 22 min 17 s
